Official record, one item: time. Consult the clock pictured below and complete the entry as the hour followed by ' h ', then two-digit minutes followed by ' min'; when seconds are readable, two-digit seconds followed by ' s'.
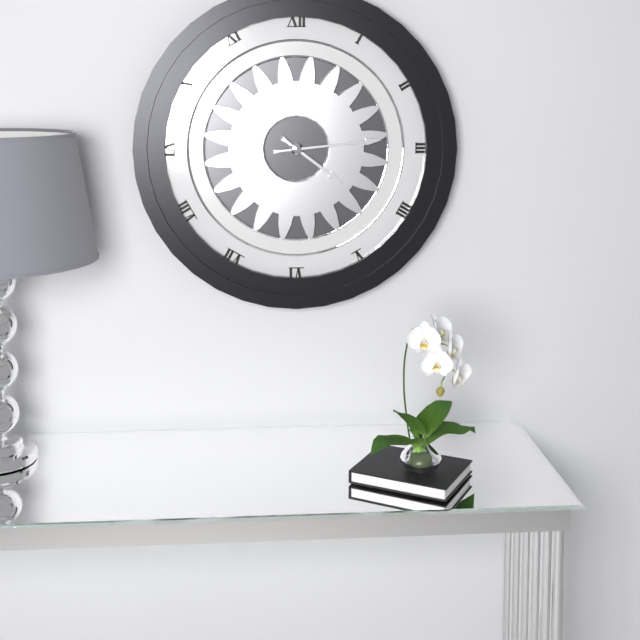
4 h 14 min
